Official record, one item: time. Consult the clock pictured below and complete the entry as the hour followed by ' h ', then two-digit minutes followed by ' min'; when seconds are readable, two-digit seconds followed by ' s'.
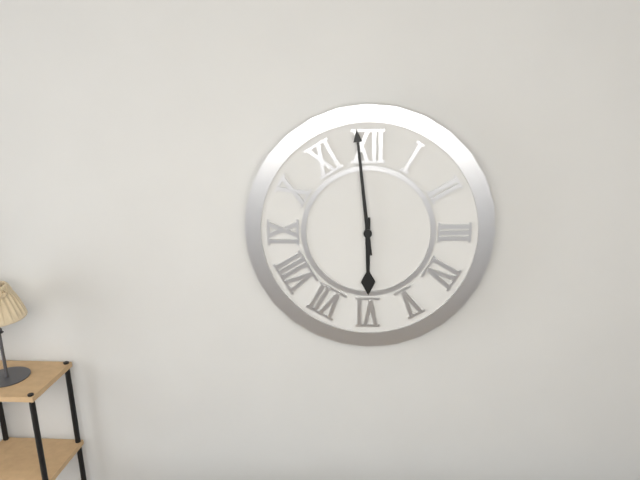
5 h 59 min
